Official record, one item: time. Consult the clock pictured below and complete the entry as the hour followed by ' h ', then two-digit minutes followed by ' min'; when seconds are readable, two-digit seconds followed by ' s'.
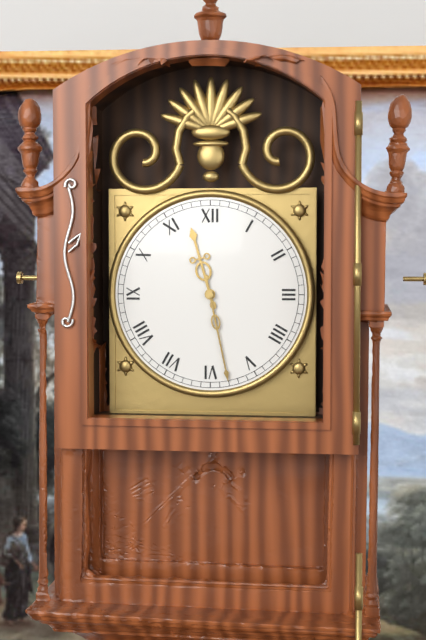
11 h 28 min
